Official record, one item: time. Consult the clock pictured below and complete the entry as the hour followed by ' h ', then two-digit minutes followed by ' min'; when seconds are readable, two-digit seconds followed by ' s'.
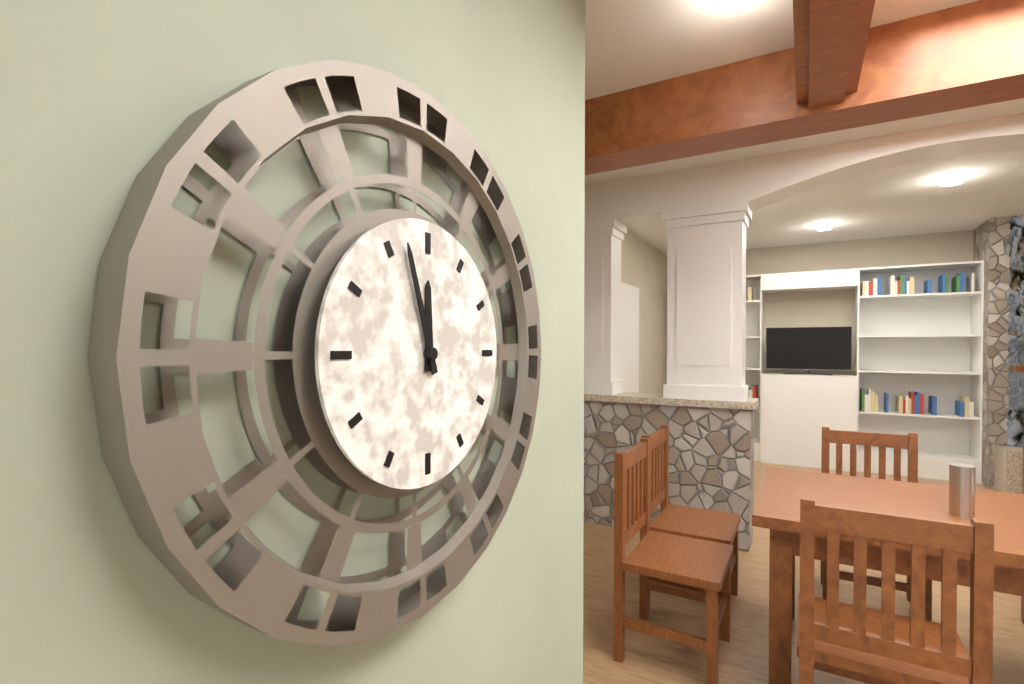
11 h 57 min
